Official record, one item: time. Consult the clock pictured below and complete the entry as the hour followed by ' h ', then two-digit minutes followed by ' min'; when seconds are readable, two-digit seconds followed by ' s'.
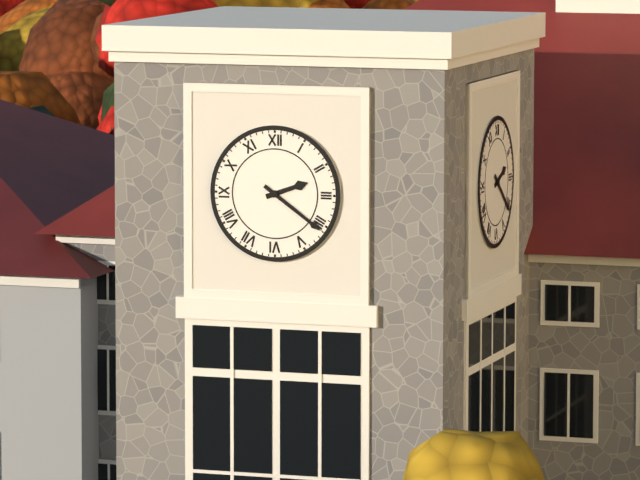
2 h 21 min
